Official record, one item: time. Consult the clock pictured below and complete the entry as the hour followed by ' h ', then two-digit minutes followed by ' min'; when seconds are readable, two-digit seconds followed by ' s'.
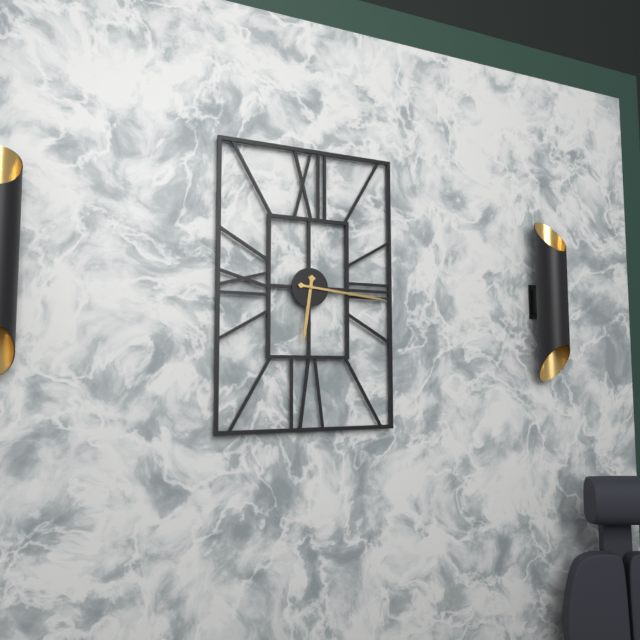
6 h 16 min
